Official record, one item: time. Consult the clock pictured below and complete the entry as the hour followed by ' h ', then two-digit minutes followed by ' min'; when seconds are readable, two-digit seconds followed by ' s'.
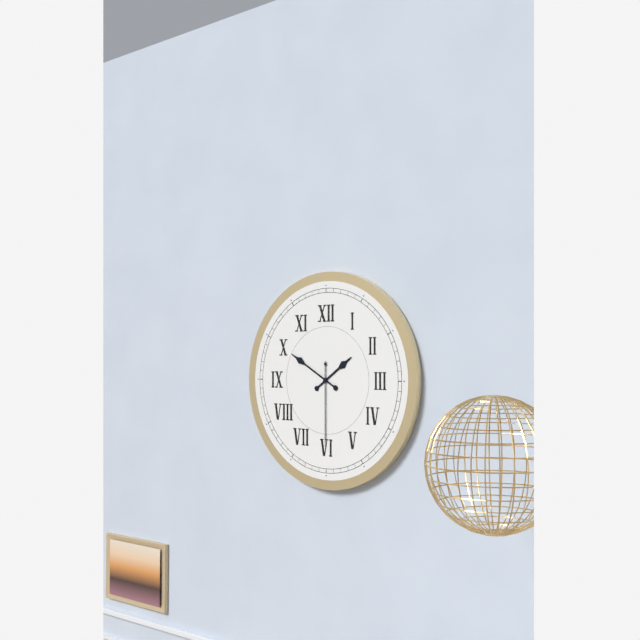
1 h 50 min 30 s
